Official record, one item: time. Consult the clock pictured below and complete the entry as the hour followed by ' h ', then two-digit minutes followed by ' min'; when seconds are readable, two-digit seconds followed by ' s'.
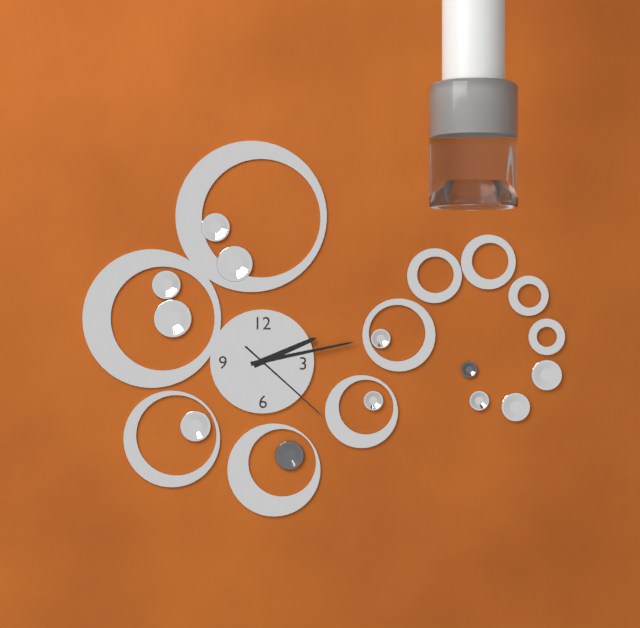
2 h 13 min 22 s
